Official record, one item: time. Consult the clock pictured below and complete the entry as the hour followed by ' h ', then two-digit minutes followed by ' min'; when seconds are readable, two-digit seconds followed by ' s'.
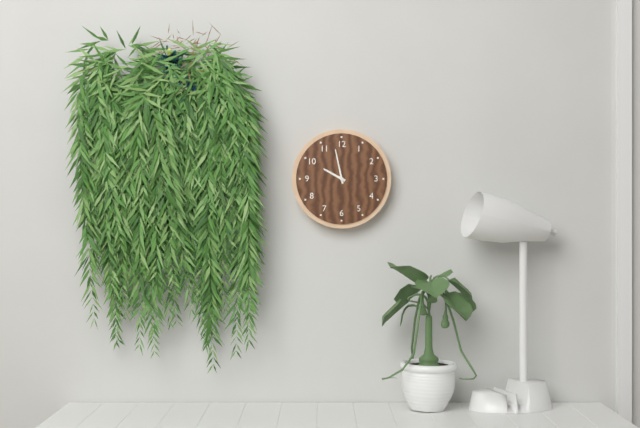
9 h 58 min
